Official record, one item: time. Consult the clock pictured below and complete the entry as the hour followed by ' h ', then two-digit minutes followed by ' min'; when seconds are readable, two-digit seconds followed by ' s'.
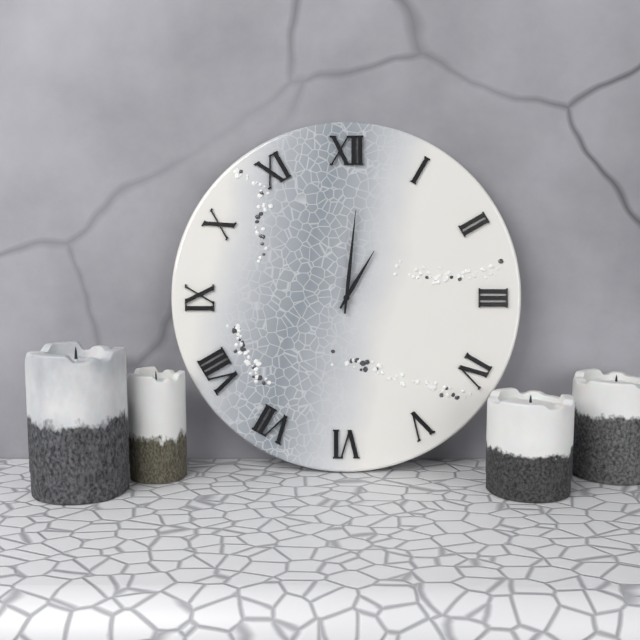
1 h 01 min
